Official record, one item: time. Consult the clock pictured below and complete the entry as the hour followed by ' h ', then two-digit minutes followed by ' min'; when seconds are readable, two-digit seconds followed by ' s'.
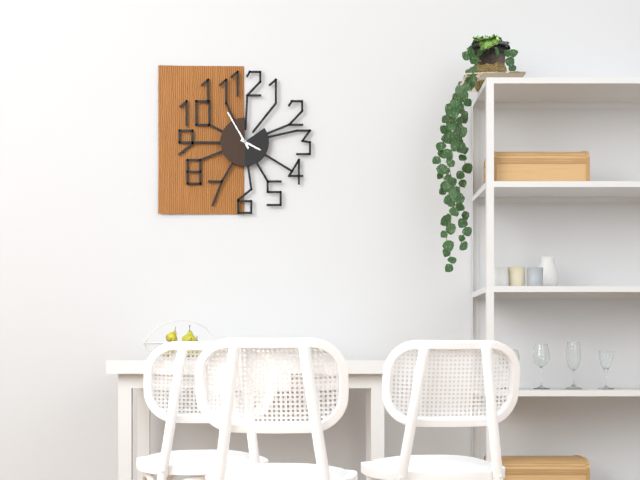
3 h 55 min
